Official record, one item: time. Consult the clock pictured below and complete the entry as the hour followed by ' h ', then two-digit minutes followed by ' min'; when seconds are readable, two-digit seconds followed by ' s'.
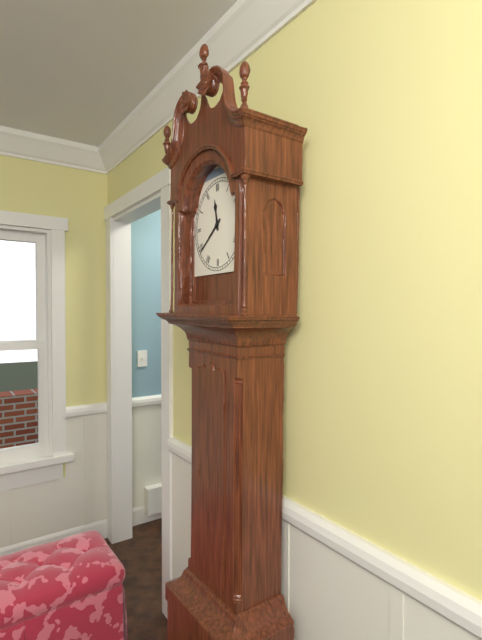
11 h 39 min
